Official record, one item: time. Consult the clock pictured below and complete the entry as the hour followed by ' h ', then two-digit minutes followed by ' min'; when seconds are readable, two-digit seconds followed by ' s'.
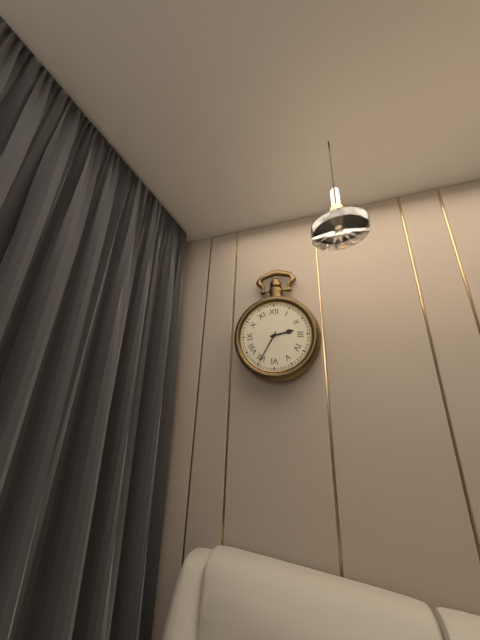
2 h 35 min
